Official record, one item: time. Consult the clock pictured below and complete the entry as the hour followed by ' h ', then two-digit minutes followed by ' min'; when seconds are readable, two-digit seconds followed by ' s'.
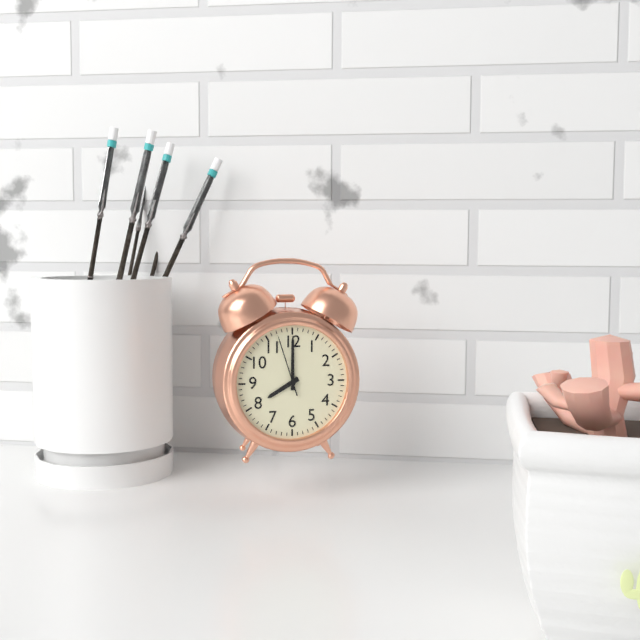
8 h 00 min 57 s
